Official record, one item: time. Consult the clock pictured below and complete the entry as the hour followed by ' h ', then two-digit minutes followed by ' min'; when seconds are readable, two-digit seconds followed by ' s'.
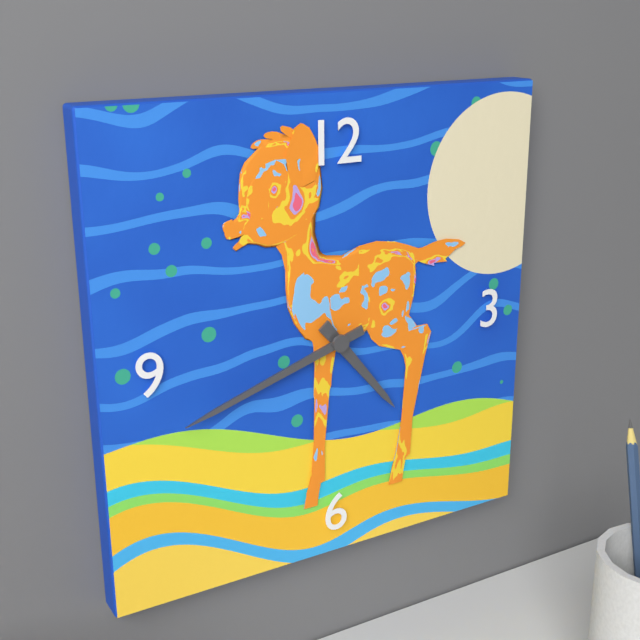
4 h 42 min
